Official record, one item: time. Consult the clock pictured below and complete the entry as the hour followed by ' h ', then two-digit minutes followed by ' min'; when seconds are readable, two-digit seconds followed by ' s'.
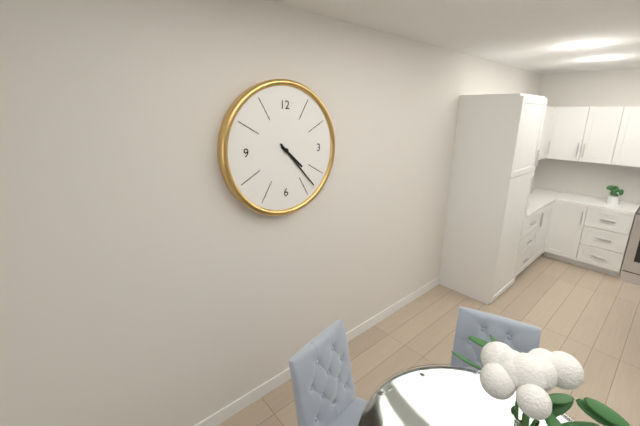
4 h 23 min
